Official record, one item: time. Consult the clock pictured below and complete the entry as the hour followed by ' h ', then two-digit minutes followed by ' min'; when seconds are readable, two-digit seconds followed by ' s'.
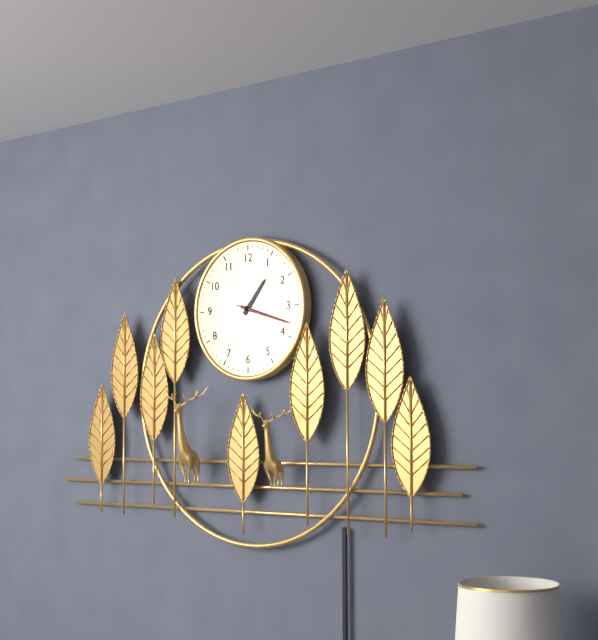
1 h 18 min 18 s
